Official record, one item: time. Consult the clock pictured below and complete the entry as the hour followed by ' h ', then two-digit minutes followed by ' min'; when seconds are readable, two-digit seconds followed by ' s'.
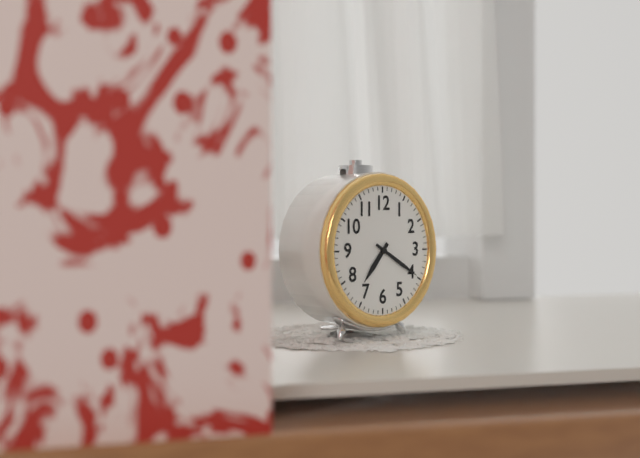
7 h 20 min
